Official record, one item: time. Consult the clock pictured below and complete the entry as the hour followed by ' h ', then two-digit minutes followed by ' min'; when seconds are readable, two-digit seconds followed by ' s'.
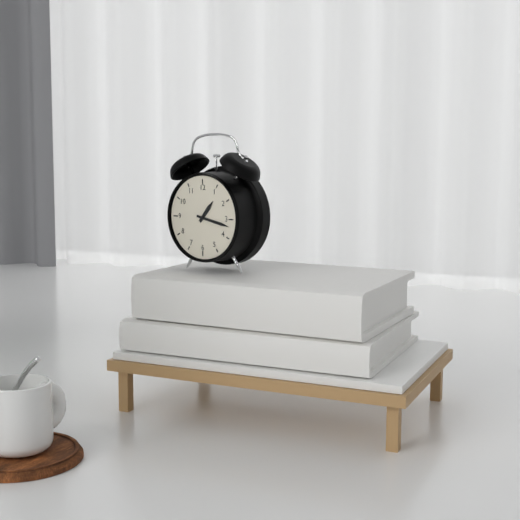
1 h 17 min
